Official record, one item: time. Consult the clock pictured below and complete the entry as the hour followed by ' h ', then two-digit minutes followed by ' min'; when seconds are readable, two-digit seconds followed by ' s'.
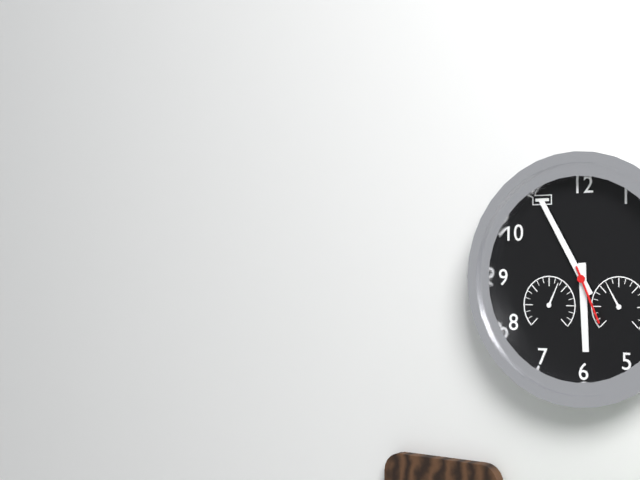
5 h 55 min 26 s
